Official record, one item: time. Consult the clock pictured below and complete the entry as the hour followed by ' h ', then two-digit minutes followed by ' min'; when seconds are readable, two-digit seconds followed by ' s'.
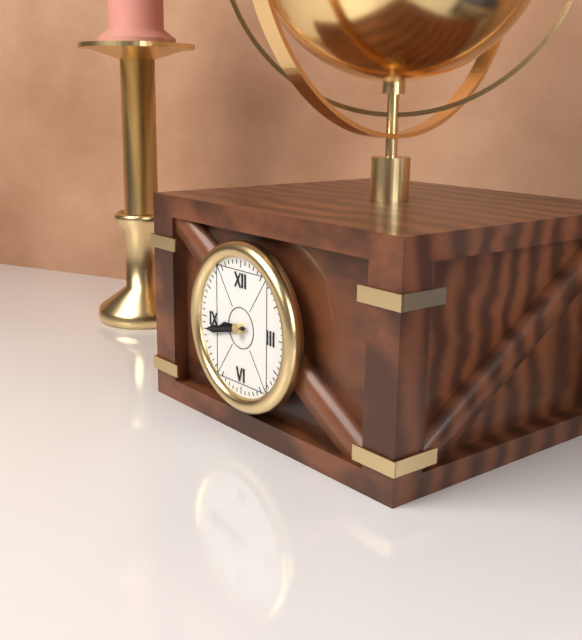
8 h 43 min
